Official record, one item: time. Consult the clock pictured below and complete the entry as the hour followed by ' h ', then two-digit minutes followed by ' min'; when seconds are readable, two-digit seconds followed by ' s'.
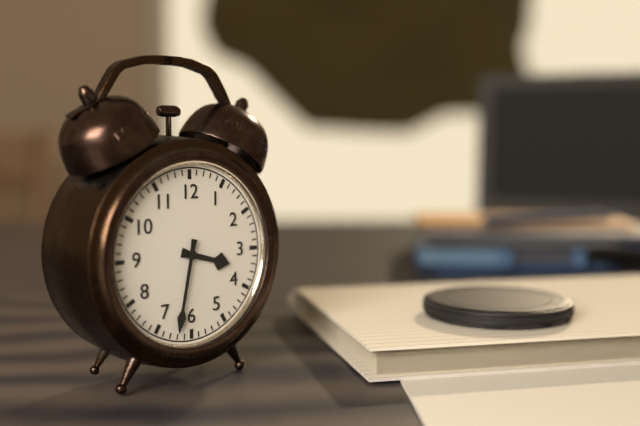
3 h 32 min
